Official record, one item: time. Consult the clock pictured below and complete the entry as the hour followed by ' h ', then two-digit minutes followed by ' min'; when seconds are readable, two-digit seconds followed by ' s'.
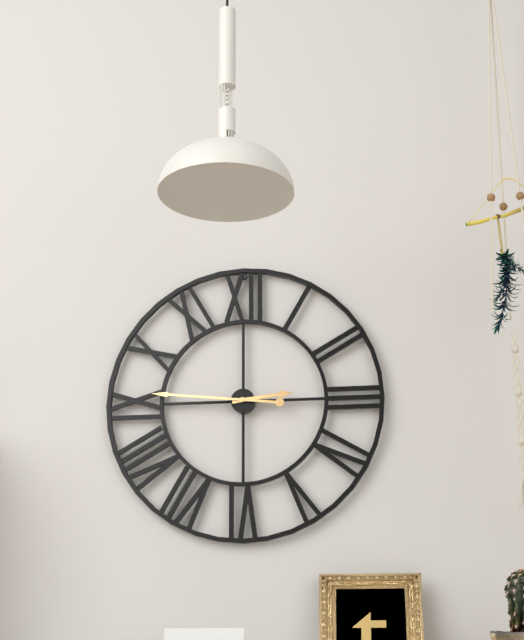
2 h 46 min
